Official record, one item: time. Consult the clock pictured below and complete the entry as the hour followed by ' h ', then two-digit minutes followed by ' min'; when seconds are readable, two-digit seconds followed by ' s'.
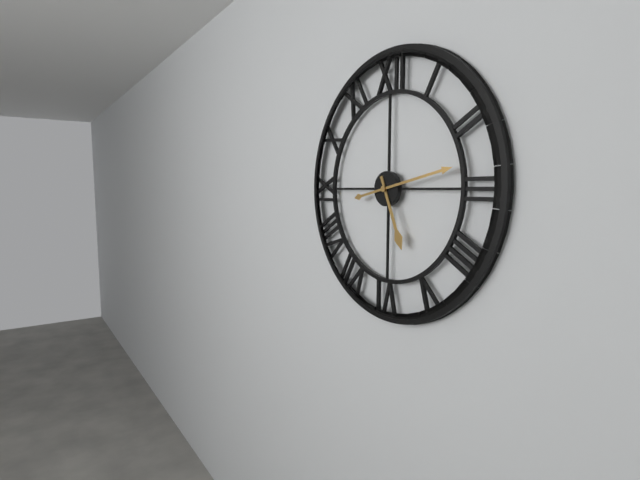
5 h 13 min
